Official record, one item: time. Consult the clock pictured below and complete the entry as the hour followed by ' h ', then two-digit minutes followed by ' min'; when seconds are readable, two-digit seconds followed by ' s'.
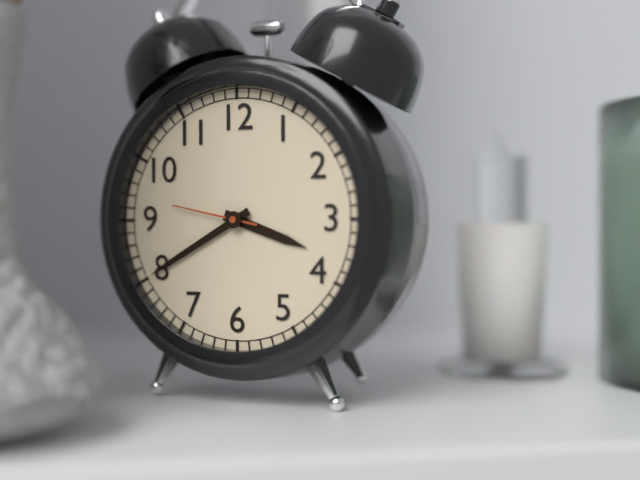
3 h 40 min 47 s
